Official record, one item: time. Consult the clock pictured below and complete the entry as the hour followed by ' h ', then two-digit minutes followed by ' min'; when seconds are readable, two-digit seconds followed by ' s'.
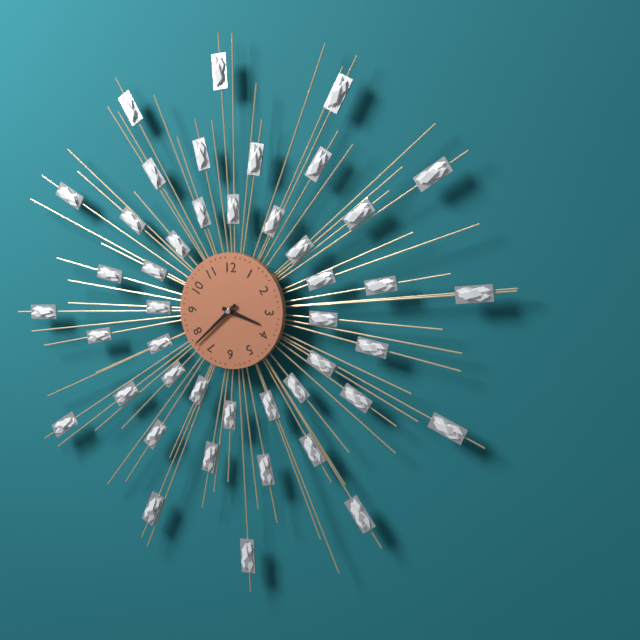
3 h 38 min
